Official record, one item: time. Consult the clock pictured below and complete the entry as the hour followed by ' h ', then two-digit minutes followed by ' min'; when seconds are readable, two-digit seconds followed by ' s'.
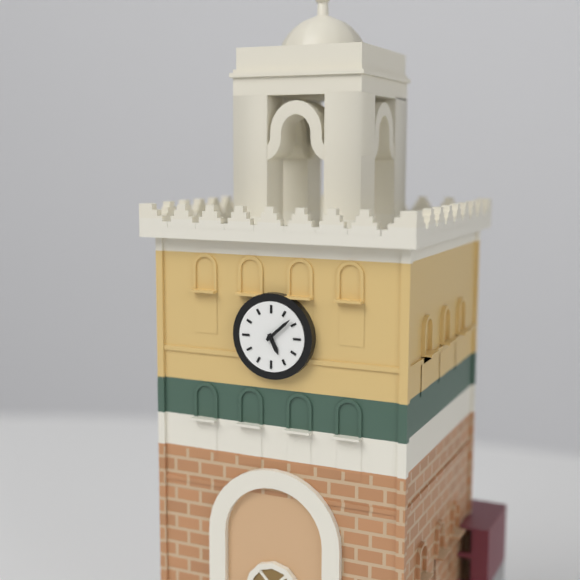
5 h 08 min
